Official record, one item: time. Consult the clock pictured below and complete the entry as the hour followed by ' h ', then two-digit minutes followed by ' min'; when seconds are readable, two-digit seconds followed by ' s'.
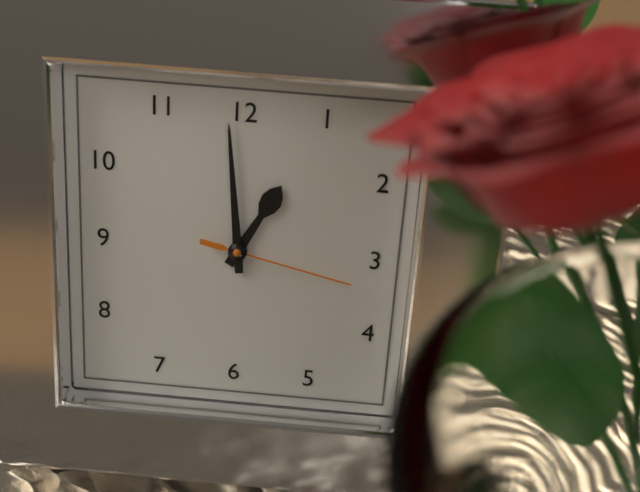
12 h 59 min 17 s
